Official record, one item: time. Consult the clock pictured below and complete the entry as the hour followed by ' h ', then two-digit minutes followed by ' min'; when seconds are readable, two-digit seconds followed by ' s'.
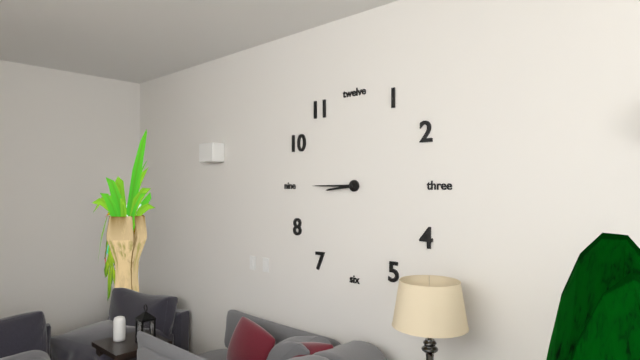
8 h 45 min
